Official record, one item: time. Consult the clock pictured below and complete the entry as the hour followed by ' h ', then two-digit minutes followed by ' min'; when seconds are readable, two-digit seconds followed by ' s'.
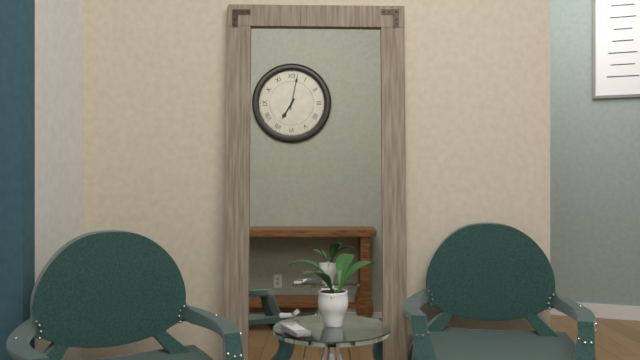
7 h 02 min
